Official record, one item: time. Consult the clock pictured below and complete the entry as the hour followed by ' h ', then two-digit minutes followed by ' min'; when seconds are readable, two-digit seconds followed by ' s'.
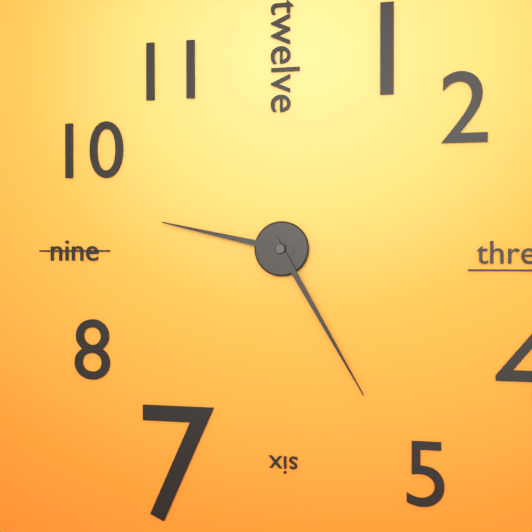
9 h 25 min
